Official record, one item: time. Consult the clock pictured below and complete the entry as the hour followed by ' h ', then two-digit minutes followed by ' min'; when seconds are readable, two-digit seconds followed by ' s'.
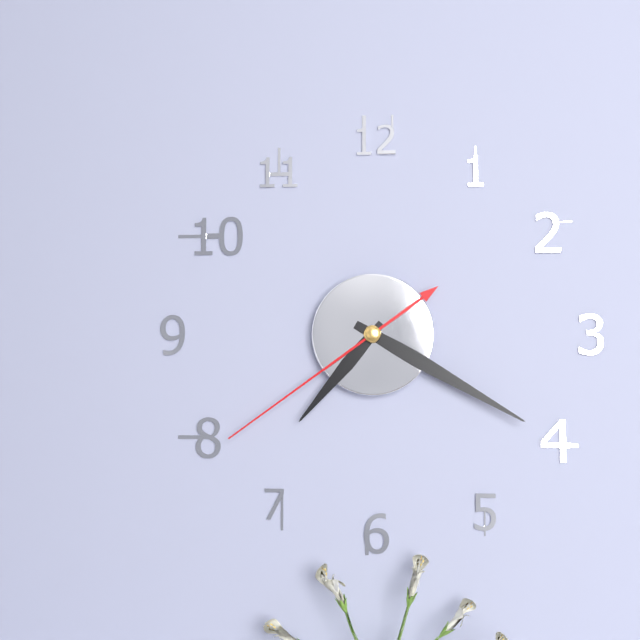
7 h 20 min 39 s
